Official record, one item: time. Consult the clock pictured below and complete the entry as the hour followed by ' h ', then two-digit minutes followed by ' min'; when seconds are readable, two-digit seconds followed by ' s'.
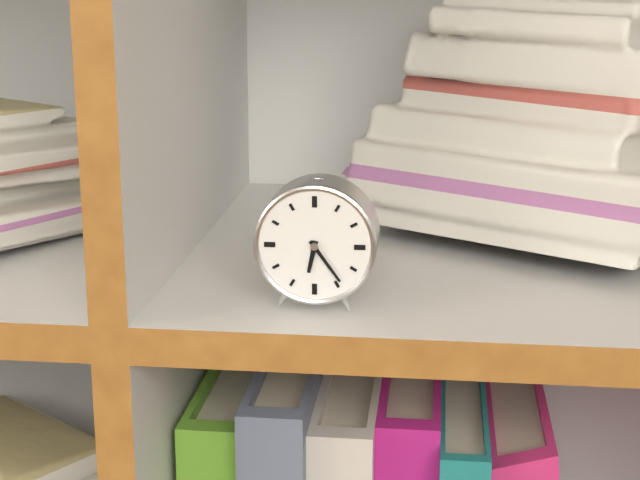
6 h 24 min
